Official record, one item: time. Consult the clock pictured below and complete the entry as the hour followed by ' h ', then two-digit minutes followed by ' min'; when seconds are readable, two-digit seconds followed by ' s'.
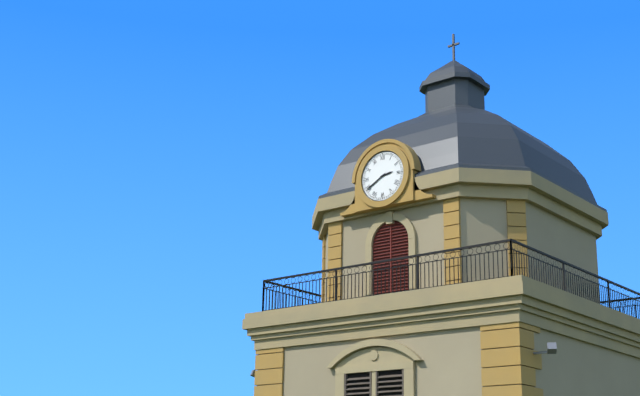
2 h 40 min
